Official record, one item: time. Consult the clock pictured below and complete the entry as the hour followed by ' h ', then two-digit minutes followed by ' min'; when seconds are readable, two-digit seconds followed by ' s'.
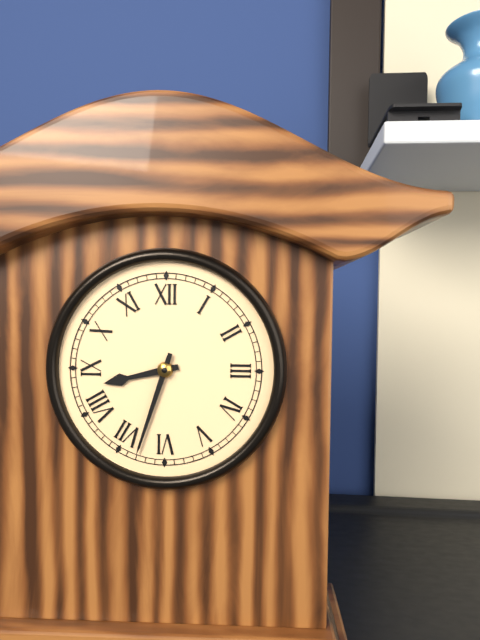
8 h 33 min
